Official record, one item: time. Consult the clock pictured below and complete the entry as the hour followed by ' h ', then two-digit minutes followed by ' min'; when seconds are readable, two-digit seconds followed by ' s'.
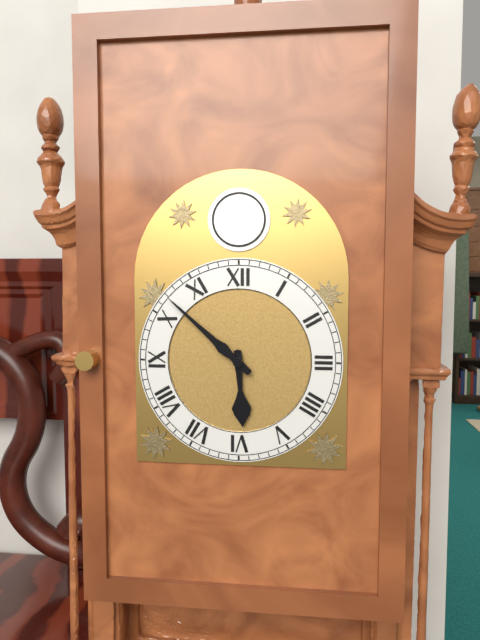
5 h 52 min
